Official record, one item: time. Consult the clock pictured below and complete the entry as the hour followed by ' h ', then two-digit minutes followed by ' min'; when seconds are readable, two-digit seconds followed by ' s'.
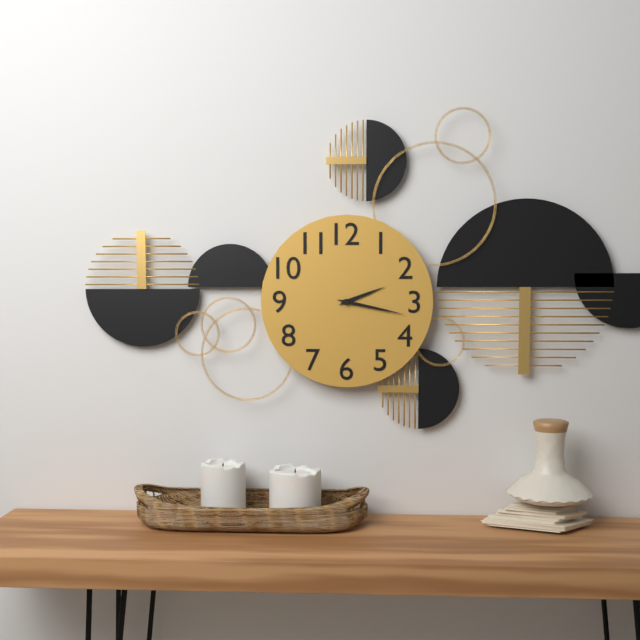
2 h 17 min
